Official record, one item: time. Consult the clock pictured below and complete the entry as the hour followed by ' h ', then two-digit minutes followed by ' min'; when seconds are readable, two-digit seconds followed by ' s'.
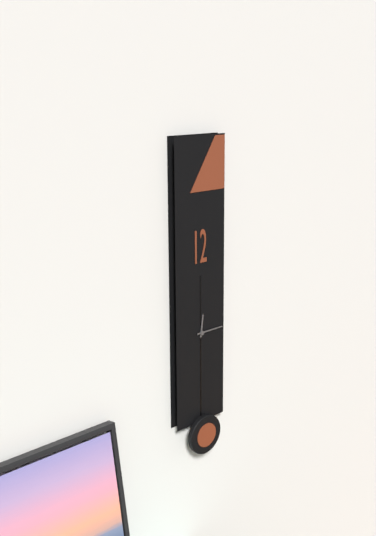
12 h 15 min
